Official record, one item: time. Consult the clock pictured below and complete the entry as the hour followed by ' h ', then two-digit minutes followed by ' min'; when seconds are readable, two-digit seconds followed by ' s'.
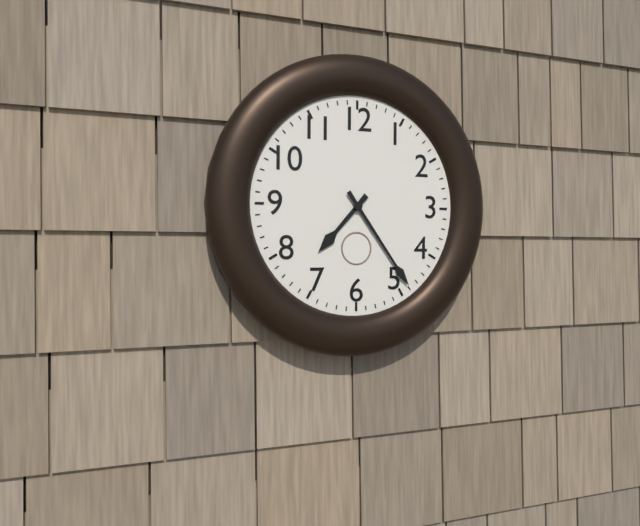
7 h 24 min
